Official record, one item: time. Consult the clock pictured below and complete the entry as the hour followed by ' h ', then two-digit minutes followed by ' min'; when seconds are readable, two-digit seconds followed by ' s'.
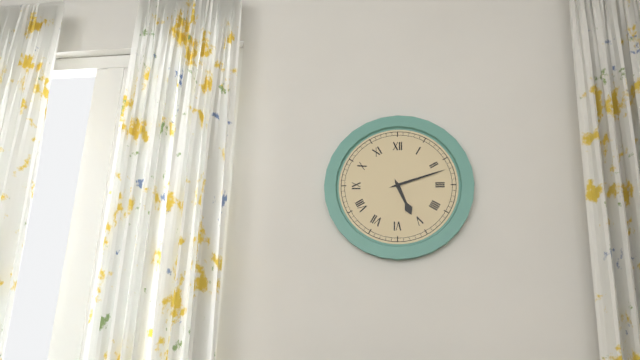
5 h 12 min
